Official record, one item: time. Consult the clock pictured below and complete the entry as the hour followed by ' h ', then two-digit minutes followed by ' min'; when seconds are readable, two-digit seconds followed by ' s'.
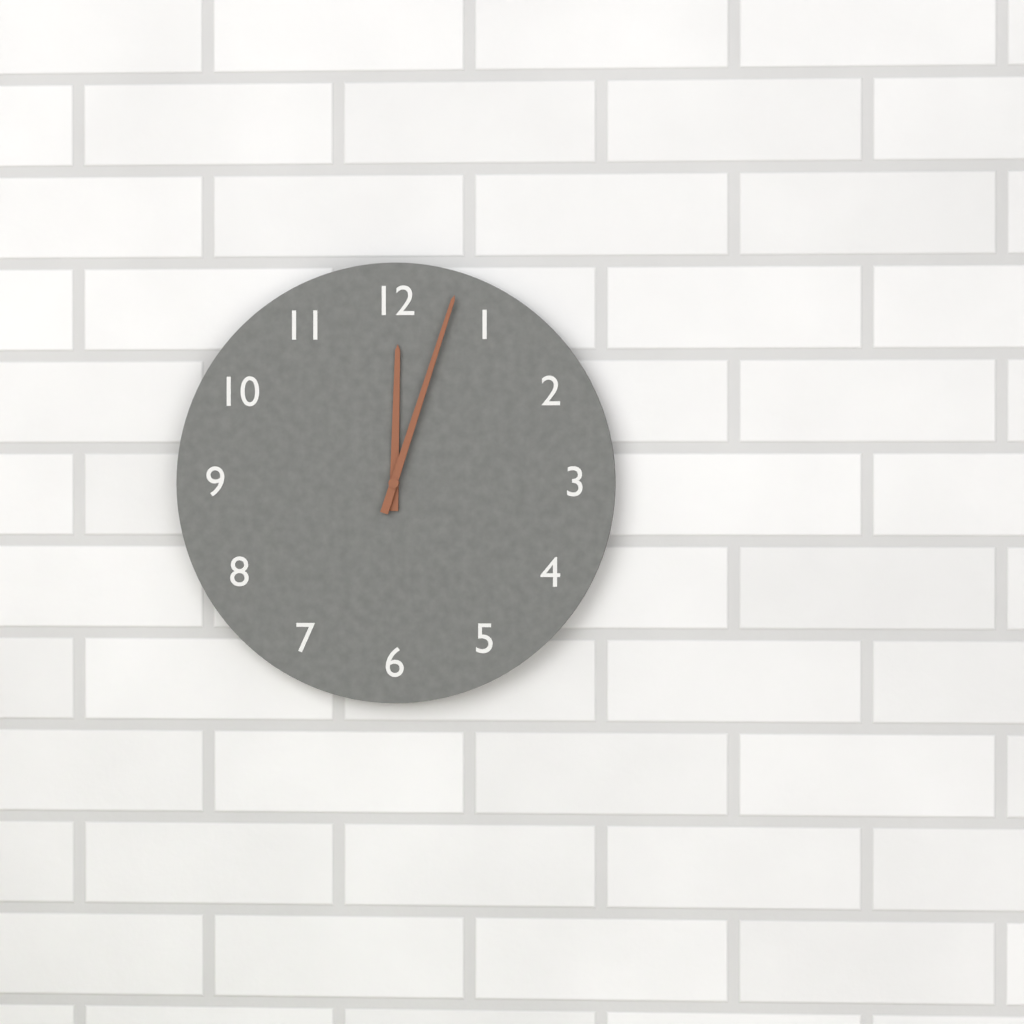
12 h 03 min
